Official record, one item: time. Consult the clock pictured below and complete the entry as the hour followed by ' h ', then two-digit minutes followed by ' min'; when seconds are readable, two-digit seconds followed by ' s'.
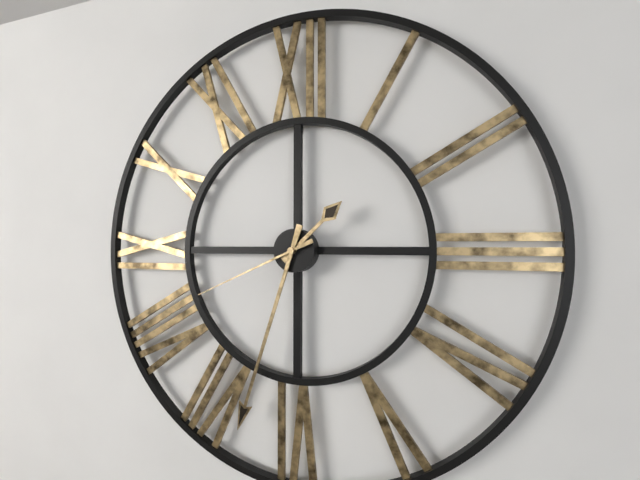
1 h 33 min 41 s
